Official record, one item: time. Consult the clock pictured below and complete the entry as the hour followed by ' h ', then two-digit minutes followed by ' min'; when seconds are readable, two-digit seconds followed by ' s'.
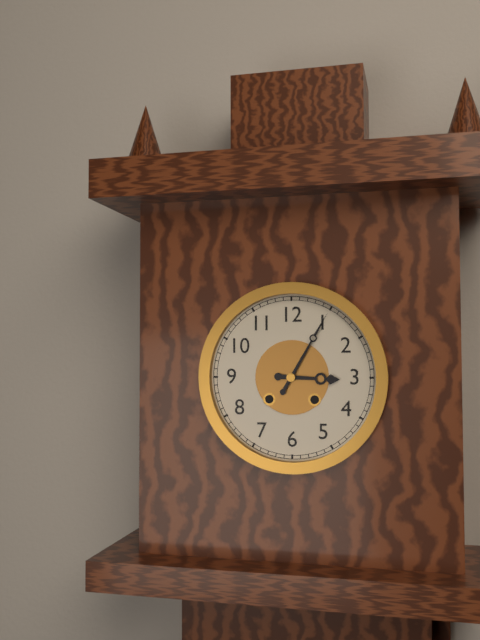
3 h 05 min
